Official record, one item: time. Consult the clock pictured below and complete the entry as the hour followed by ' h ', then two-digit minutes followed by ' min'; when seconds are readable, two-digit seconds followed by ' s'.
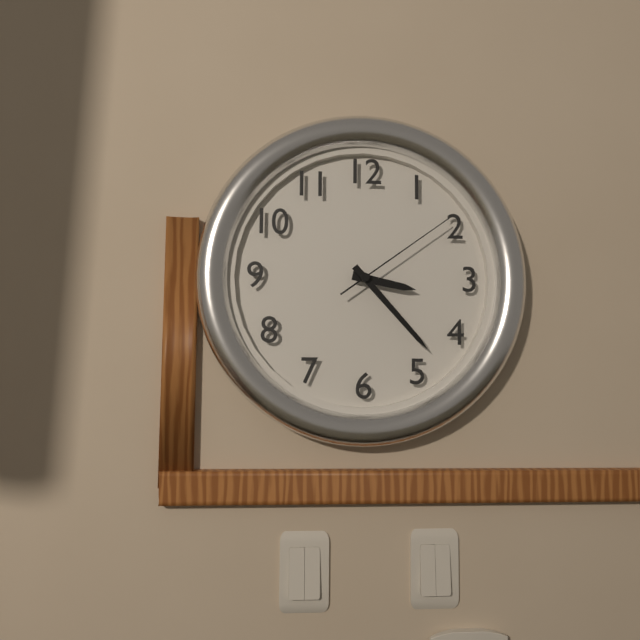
3 h 23 min 09 s
